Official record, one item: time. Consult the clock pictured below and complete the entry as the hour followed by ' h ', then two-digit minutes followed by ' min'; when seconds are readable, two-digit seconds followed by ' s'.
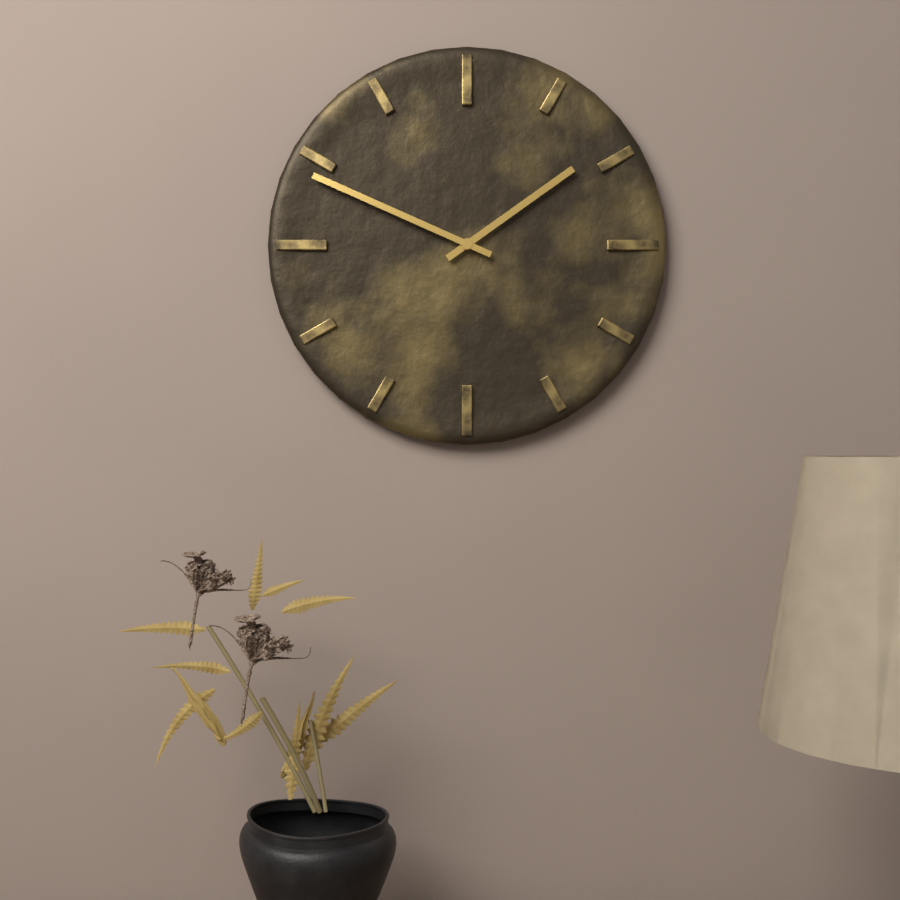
1 h 49 min
